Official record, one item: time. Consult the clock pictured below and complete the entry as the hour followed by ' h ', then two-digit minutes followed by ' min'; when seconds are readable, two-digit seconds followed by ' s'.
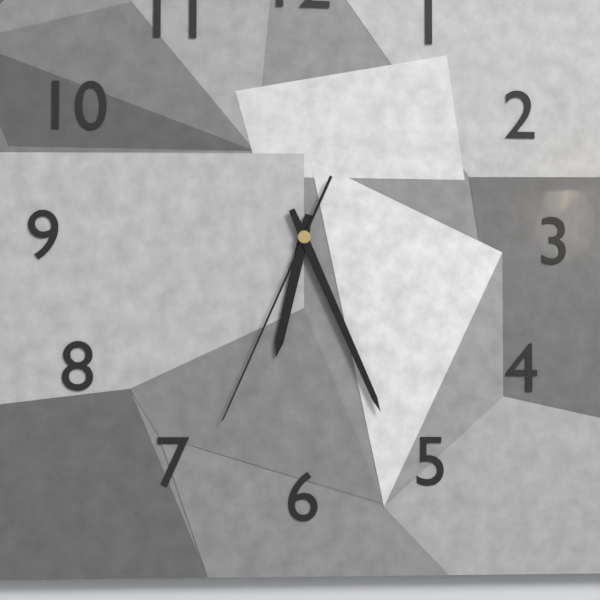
6 h 26 min 34 s
